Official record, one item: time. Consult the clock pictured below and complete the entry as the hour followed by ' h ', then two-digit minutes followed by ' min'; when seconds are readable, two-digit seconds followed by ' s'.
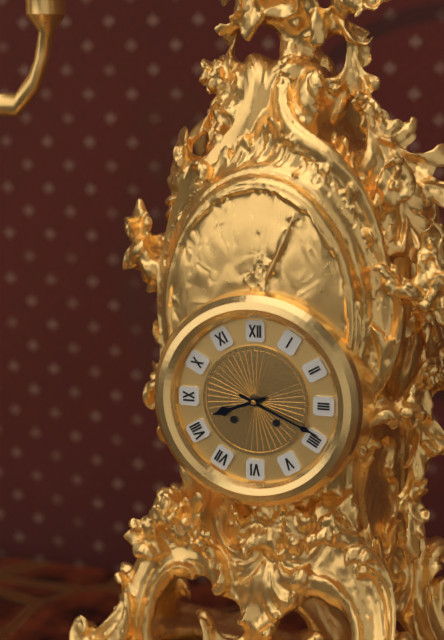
8 h 19 min
